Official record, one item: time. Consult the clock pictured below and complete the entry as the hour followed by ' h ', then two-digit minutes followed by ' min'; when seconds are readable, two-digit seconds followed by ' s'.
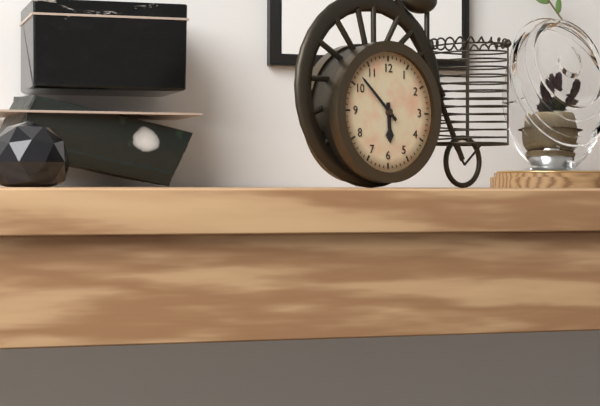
5 h 52 min
